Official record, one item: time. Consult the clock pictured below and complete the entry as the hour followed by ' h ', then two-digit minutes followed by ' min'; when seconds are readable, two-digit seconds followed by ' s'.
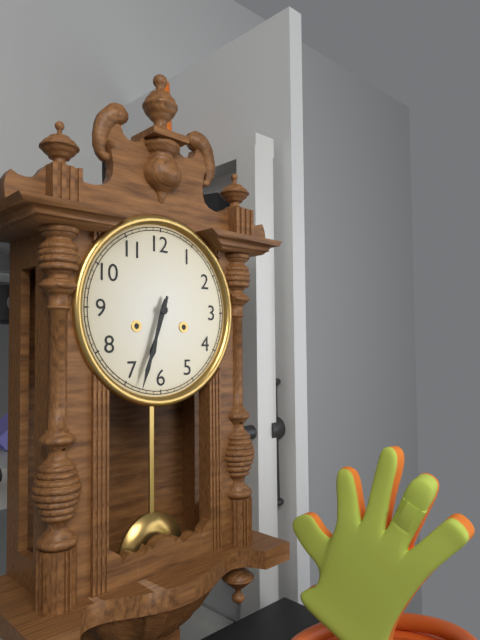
6 h 33 min
